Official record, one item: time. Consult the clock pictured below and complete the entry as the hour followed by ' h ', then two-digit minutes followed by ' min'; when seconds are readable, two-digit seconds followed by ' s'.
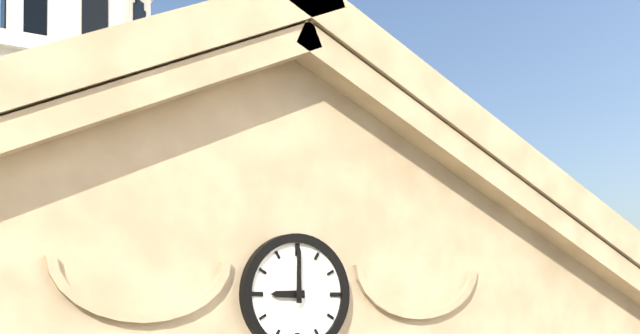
9 h 00 min
